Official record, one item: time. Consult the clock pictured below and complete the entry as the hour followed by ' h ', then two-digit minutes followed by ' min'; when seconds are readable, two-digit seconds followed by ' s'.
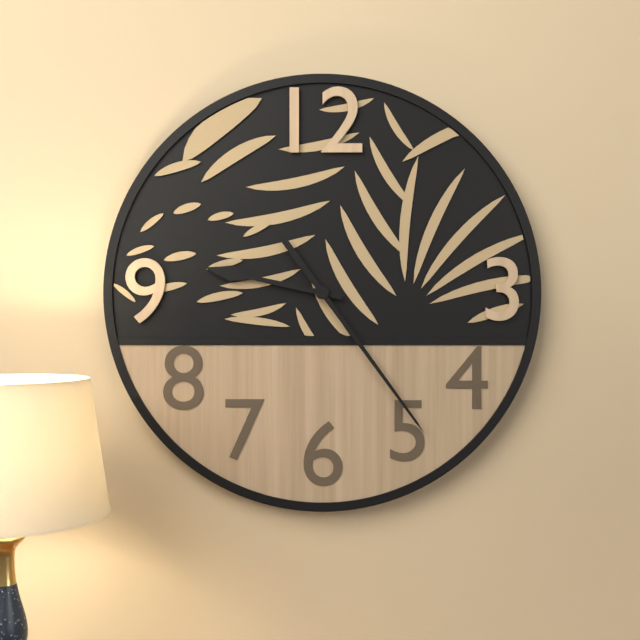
9 h 24 min
